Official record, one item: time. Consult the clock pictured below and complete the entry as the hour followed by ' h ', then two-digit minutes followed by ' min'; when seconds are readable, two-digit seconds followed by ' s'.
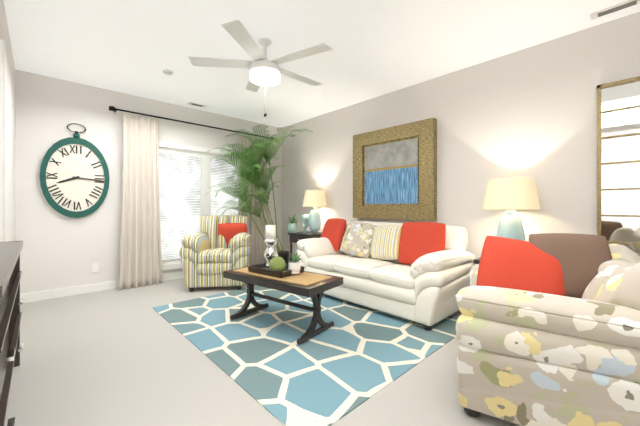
8 h 16 min
